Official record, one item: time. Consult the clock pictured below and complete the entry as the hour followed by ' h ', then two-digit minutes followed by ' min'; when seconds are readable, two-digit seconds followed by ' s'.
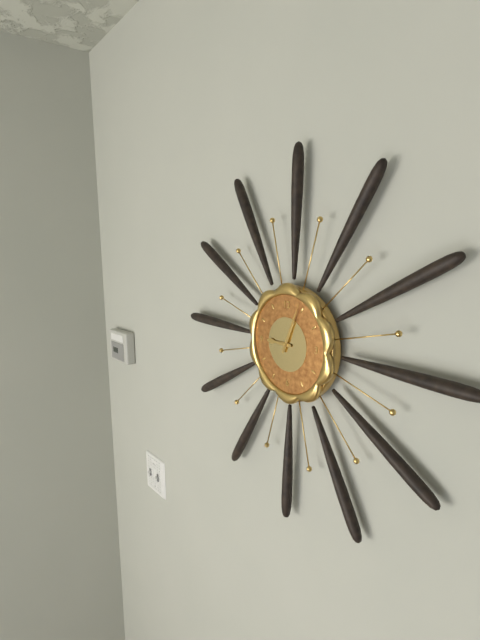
9 h 04 min
